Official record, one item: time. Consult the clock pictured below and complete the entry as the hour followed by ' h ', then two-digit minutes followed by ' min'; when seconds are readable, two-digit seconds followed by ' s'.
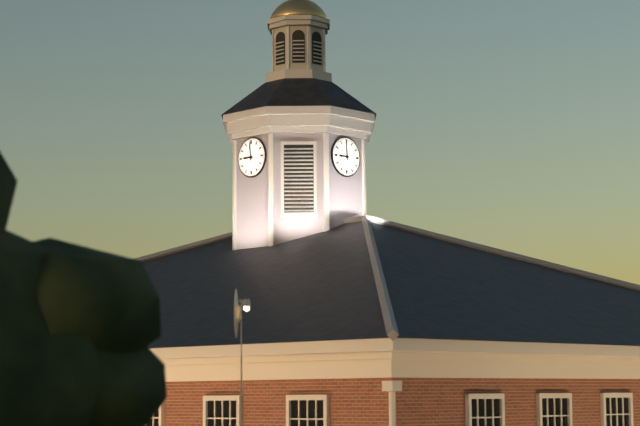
8 h 59 min
